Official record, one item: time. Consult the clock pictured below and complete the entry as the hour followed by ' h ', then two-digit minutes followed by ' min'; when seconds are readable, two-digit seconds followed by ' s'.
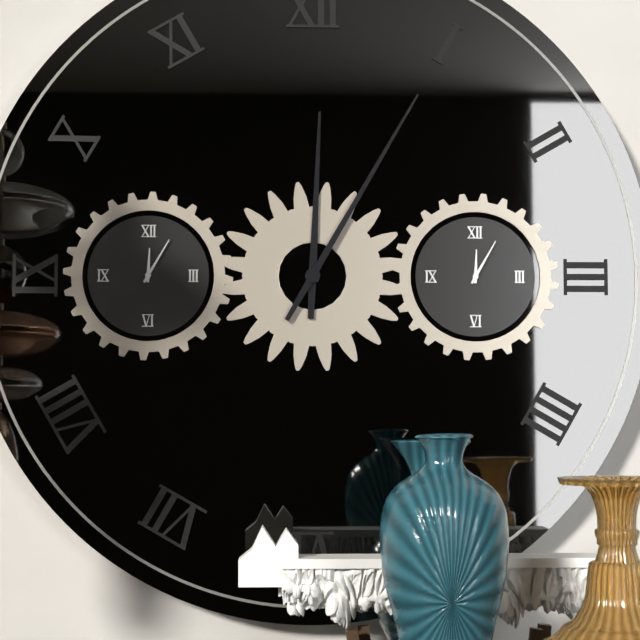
12 h 05 min
